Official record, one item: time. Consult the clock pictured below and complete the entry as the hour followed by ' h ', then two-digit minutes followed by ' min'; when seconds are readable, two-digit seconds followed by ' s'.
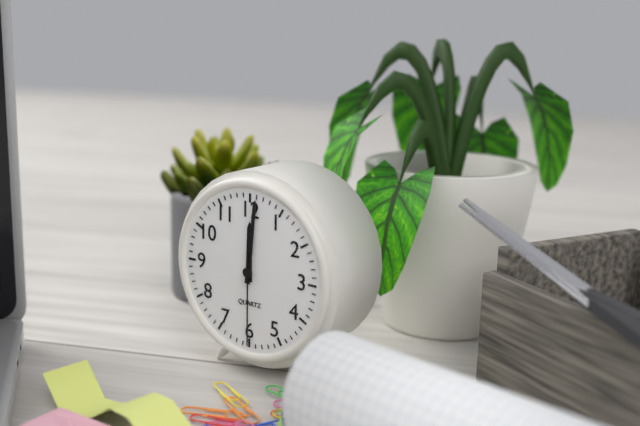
12 h 01 min 30 s
